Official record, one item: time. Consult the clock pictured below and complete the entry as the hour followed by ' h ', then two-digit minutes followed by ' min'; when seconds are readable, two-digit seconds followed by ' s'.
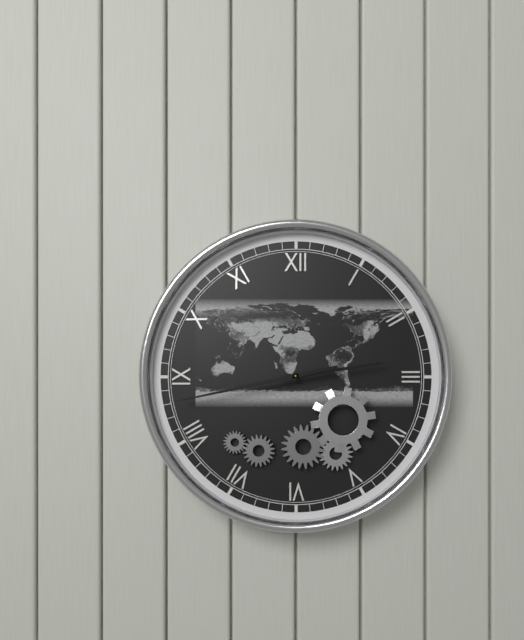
2 h 43 min
